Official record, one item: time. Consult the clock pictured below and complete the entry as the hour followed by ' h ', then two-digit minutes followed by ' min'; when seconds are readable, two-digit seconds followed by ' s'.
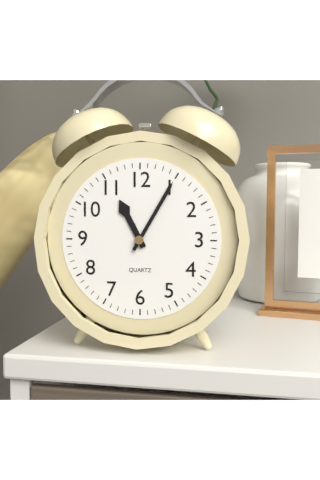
11 h 05 min
